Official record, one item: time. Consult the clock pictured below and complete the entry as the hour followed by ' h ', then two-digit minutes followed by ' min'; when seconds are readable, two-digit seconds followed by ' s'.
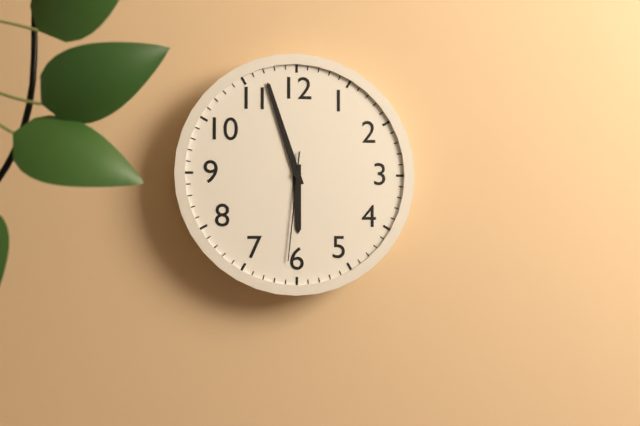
5 h 57 min 31 s
